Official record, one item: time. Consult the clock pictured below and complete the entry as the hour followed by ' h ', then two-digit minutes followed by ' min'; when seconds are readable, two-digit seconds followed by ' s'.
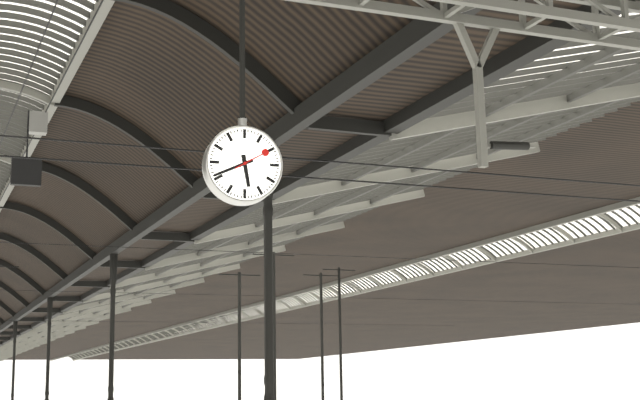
5 h 41 min
